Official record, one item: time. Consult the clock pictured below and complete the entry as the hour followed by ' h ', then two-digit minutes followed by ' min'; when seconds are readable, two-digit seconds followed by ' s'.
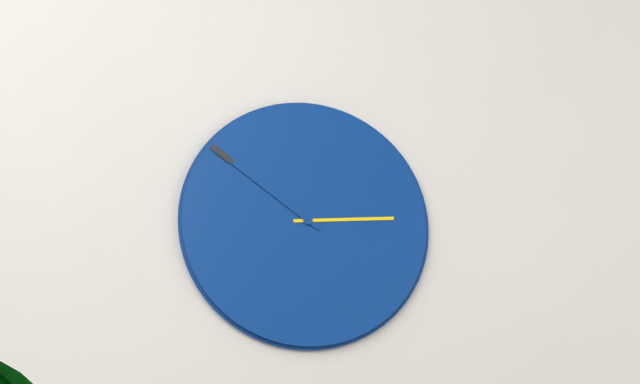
2 h 51 min
